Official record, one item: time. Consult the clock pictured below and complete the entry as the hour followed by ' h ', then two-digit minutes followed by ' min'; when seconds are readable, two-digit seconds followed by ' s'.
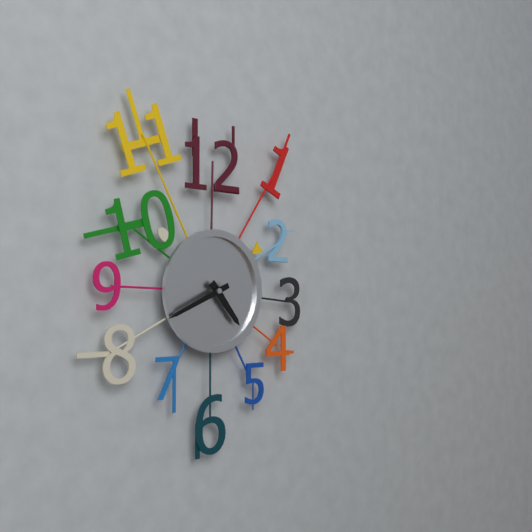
4 h 41 min
